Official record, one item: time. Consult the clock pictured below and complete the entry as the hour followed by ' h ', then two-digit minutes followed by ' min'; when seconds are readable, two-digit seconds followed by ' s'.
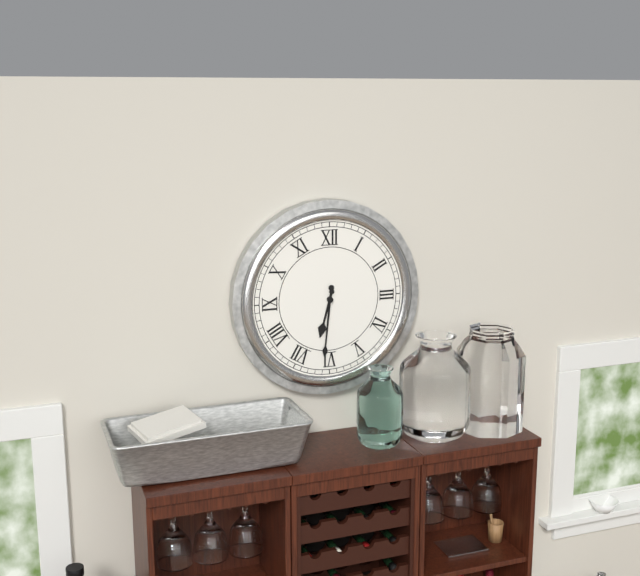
6 h 31 min
